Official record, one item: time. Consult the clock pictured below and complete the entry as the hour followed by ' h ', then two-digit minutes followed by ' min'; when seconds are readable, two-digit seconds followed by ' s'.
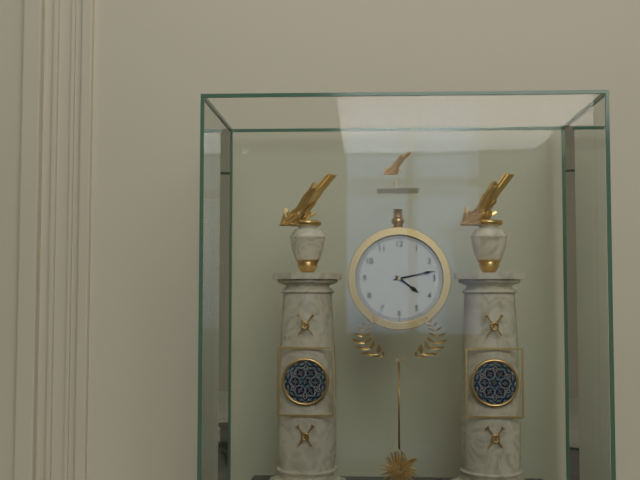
4 h 13 min
